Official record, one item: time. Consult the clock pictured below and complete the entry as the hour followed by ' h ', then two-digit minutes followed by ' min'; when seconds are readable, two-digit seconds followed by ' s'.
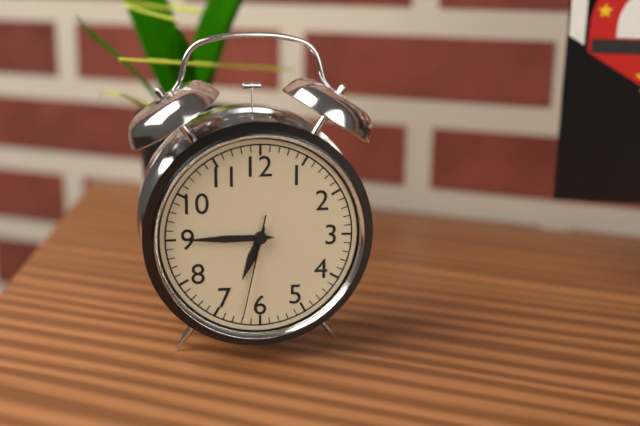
6 h 45 min 32 s
